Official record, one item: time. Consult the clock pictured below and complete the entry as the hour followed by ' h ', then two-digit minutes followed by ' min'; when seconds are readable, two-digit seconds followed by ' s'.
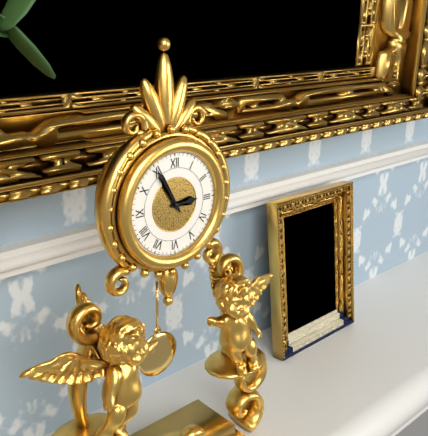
2 h 55 min
